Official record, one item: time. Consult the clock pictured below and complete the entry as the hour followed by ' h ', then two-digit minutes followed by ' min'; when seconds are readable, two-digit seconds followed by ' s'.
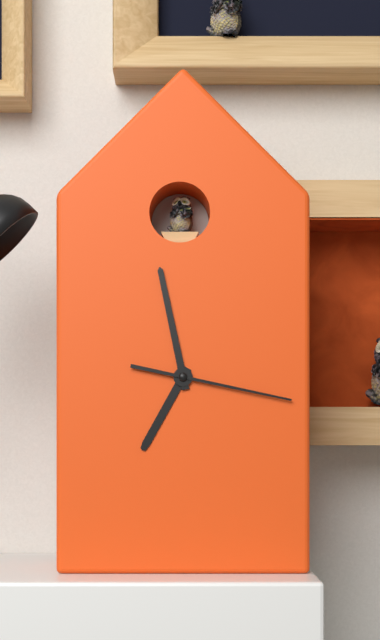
6 h 58 min 17 s
